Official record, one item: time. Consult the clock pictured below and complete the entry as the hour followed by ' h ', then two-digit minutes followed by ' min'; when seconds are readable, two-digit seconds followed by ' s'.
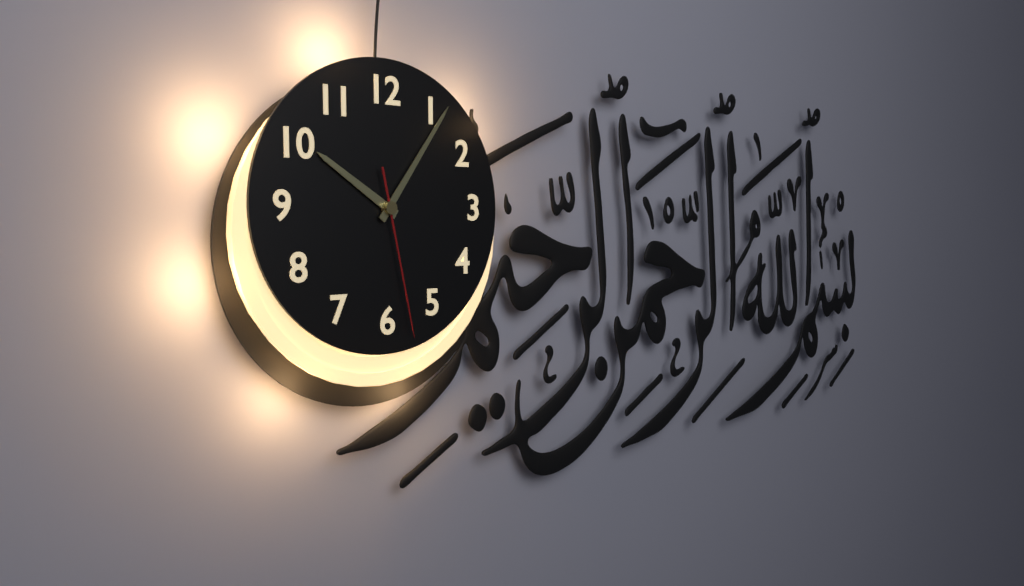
10 h 06 min 28 s
